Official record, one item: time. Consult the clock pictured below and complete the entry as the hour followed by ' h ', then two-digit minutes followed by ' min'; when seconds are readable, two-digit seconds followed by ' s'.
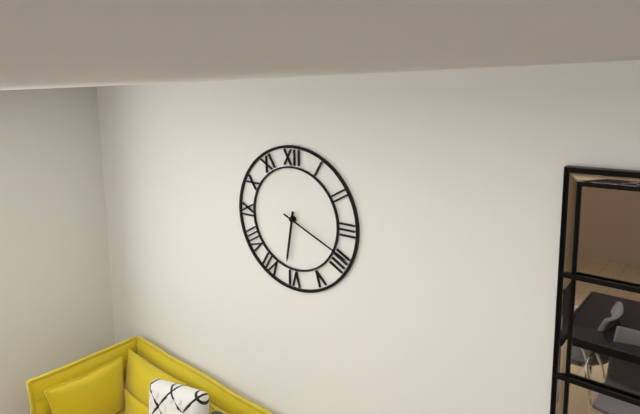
6 h 19 min
